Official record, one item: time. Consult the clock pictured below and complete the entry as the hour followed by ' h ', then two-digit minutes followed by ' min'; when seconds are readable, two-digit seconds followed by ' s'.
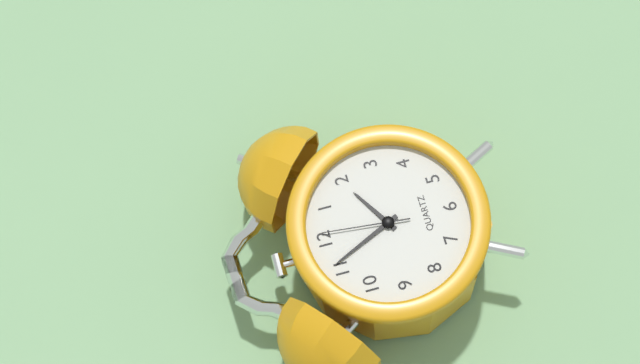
1 h 56 min 01 s
